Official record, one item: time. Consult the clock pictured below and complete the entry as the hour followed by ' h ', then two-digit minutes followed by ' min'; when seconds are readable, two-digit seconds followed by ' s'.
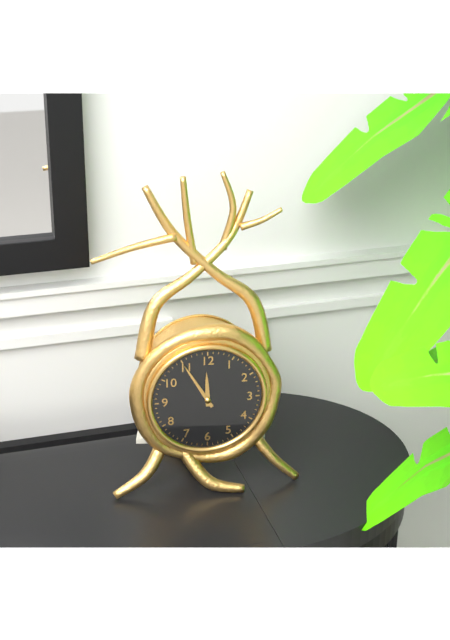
11 h 55 min
